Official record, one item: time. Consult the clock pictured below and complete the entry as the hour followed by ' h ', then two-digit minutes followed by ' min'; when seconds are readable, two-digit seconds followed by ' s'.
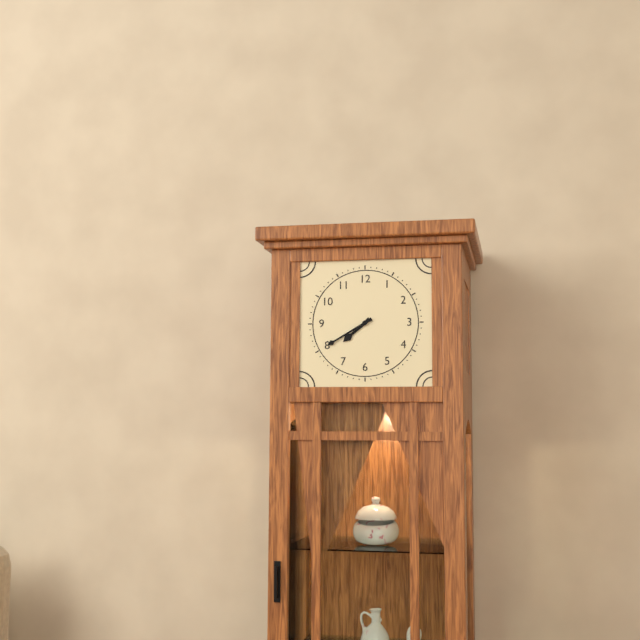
7 h 40 min
